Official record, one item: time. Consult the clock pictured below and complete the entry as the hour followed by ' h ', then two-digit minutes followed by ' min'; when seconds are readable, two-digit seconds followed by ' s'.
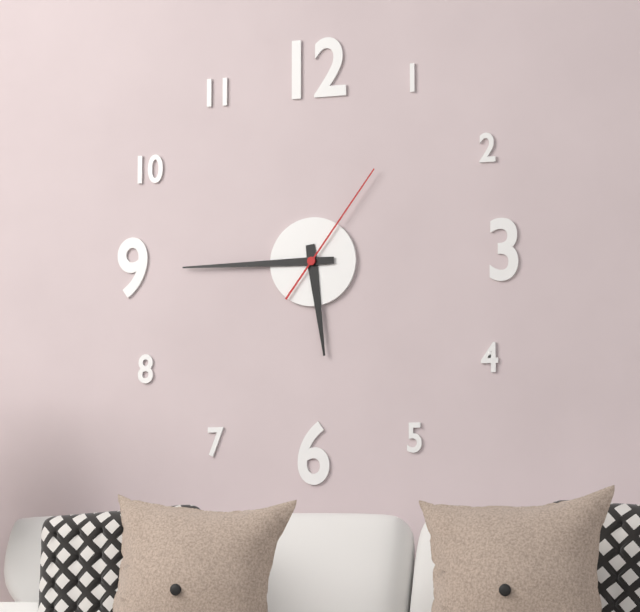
5 h 45 min 06 s
